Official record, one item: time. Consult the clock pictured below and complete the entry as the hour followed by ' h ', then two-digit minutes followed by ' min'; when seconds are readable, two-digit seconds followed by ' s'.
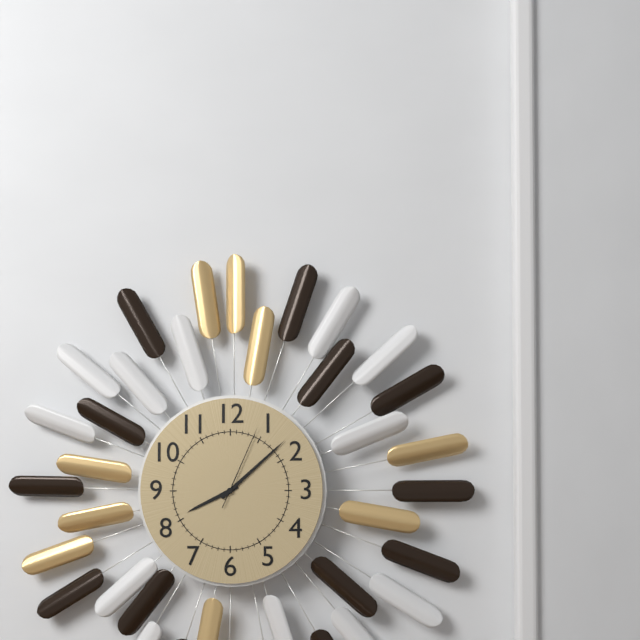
8 h 08 min 04 s
